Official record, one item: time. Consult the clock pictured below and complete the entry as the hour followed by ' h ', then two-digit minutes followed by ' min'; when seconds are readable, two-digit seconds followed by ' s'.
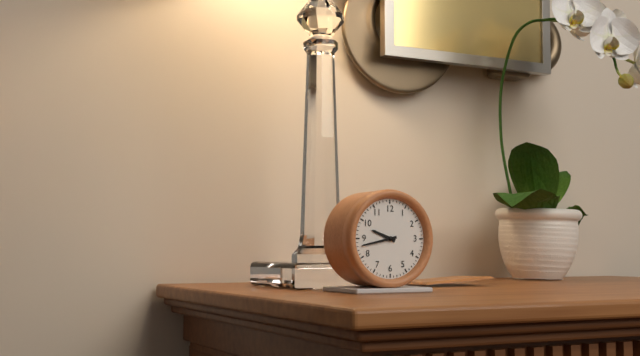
9 h 43 min
